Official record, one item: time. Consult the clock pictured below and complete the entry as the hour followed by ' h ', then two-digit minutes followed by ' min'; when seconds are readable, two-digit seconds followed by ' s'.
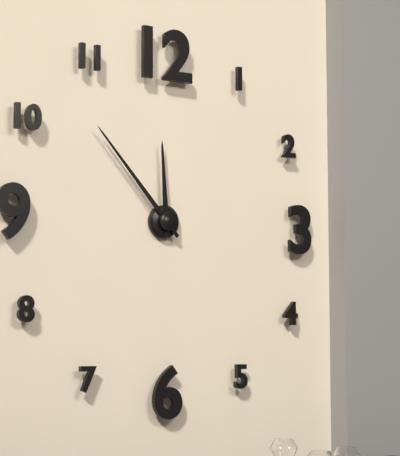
11 h 53 min
